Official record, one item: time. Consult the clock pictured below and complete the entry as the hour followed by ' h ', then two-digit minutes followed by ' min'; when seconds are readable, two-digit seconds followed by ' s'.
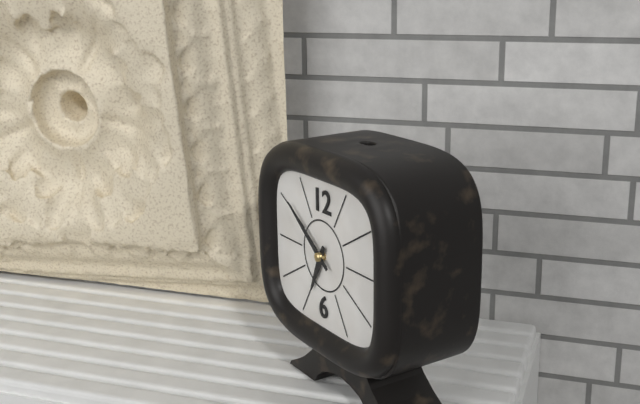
6 h 51 min
